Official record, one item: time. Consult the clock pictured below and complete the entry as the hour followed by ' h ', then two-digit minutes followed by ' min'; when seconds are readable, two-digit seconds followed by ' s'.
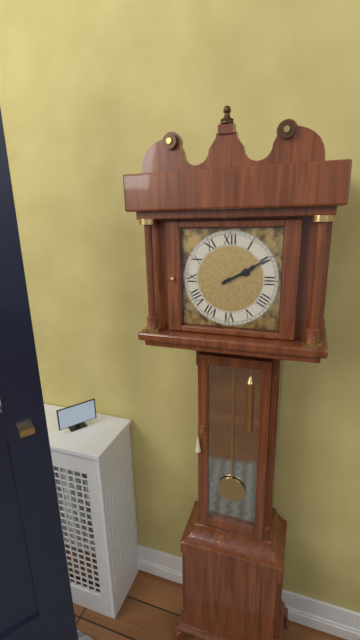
2 h 10 min
